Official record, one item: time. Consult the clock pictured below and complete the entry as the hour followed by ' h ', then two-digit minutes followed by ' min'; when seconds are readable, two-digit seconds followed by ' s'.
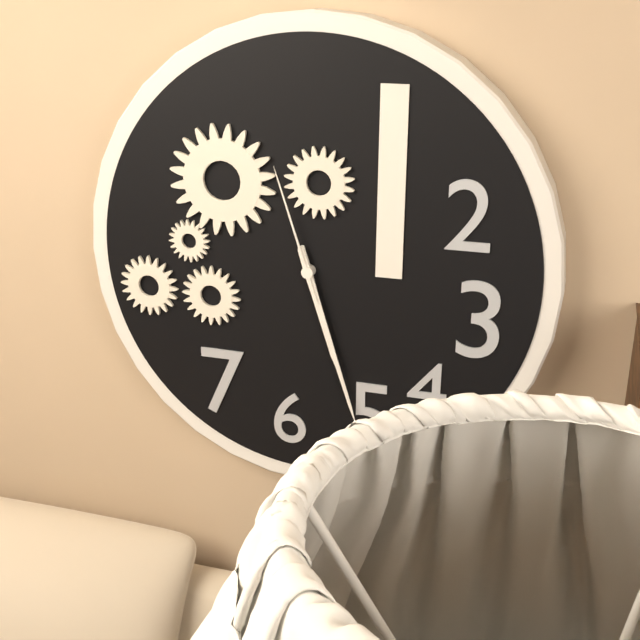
5 h 27 min 57 s
